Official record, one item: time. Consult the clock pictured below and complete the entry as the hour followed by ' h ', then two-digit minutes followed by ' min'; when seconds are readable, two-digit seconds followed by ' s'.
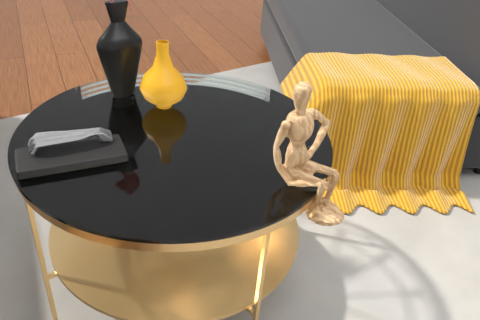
11 h 58 min
